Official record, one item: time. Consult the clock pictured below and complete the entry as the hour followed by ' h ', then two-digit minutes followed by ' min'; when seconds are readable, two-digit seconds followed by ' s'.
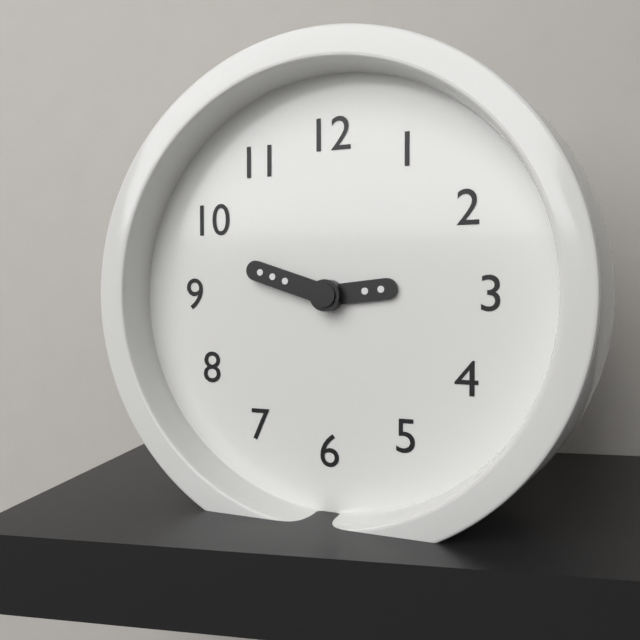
2 h 48 min
